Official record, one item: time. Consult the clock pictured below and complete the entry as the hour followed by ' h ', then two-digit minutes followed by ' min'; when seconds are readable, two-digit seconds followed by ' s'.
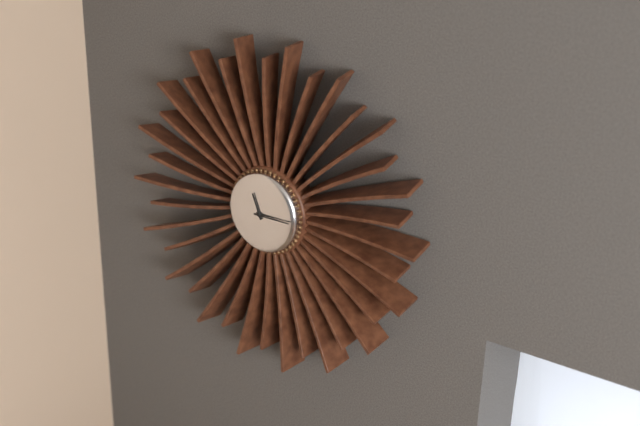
11 h 15 min
